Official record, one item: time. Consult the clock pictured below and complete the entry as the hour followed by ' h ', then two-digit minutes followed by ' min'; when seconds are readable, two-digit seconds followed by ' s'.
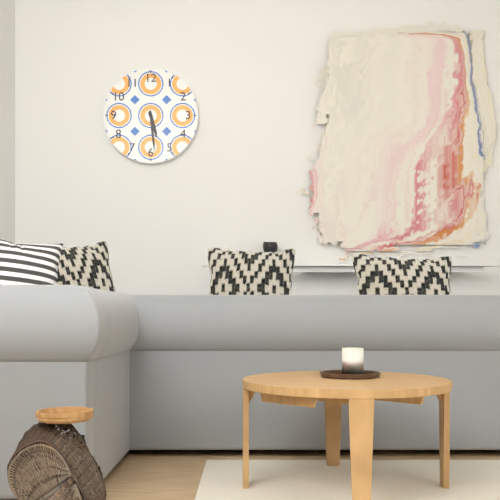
5 h 29 min
